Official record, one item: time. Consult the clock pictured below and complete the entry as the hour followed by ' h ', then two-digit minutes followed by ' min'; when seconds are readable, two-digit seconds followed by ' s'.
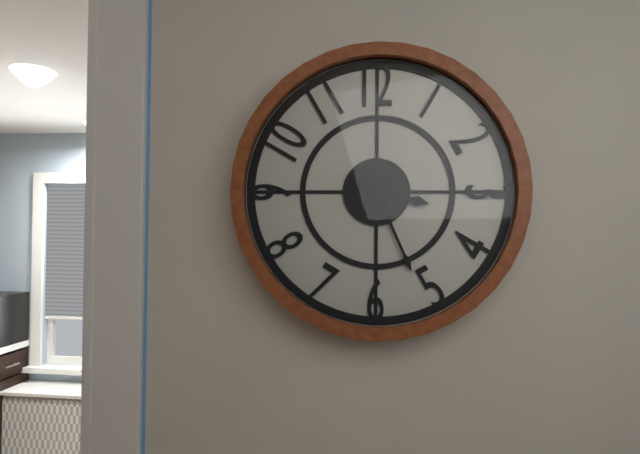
3 h 26 min
